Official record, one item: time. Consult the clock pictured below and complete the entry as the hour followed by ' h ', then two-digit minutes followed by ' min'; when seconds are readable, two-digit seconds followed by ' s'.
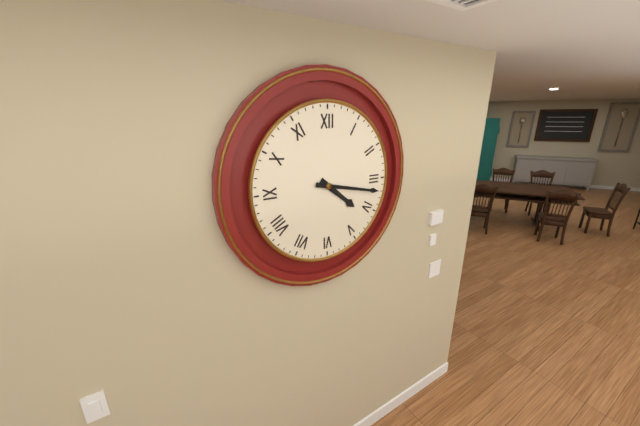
4 h 17 min
